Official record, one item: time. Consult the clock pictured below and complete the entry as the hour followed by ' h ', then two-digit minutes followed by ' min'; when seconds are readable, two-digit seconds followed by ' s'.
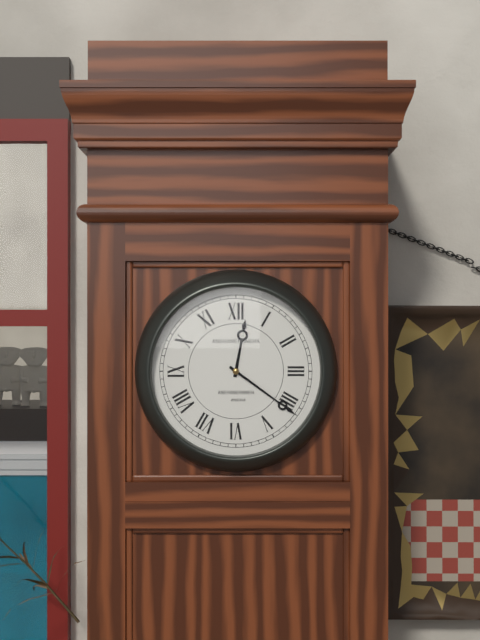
12 h 21 min
